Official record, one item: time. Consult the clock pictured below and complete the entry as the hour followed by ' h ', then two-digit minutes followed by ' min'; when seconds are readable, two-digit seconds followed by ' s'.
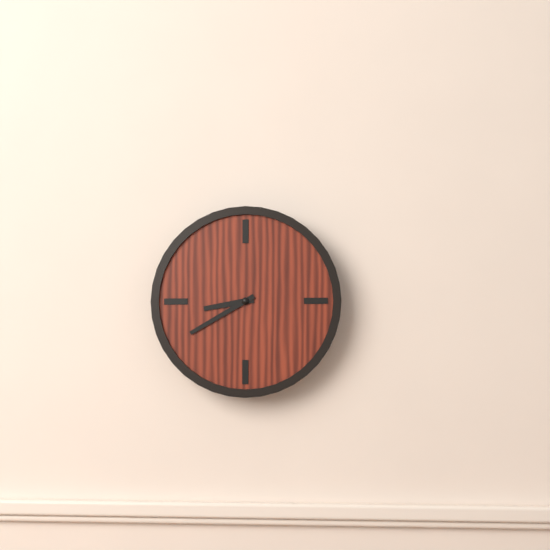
8 h 40 min
